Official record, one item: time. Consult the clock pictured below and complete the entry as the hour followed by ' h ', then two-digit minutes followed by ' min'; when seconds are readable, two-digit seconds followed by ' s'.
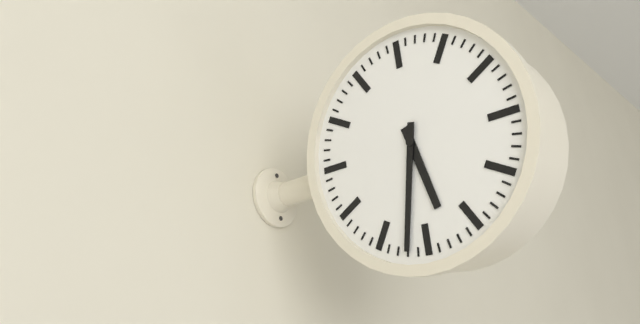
5 h 32 min
